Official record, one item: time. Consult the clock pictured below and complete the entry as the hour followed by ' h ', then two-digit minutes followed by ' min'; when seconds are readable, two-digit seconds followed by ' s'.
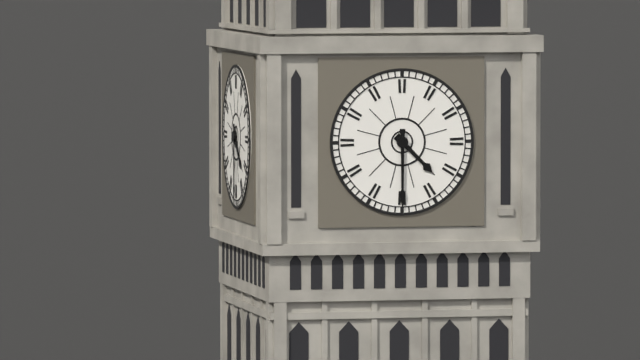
4 h 30 min
